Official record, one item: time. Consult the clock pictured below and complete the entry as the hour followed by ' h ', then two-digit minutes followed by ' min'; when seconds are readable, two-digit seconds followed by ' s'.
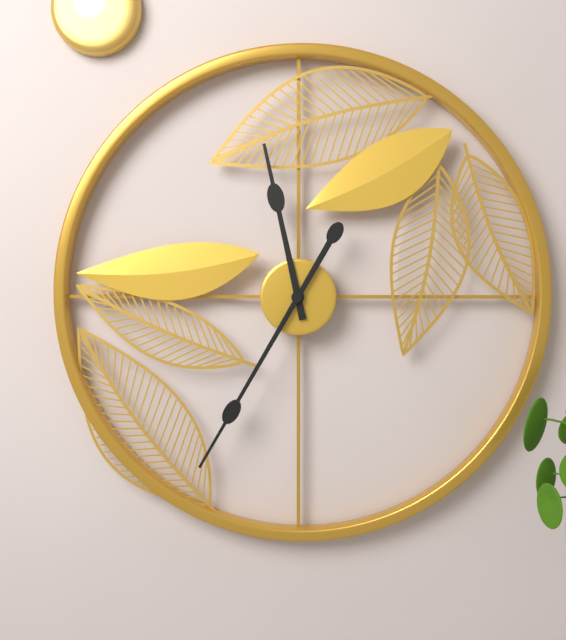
11 h 35 min
